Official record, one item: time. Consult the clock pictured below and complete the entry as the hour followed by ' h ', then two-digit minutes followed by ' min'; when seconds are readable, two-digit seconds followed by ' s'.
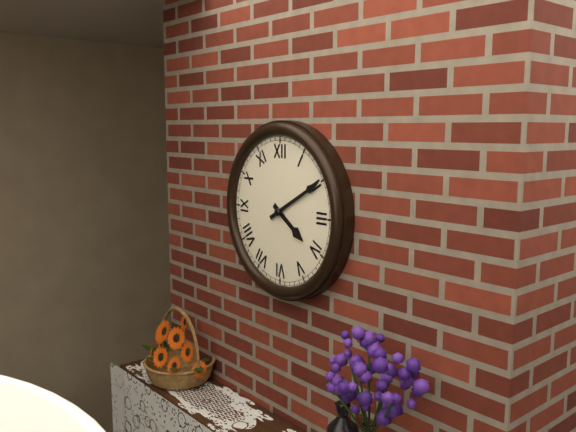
4 h 10 min
